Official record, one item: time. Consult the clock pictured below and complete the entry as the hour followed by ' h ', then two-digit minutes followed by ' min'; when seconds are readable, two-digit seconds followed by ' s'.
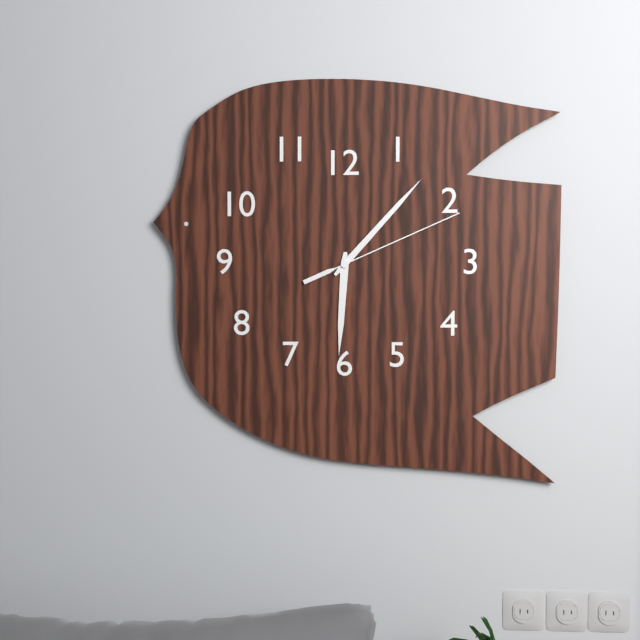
6 h 07 min 11 s
